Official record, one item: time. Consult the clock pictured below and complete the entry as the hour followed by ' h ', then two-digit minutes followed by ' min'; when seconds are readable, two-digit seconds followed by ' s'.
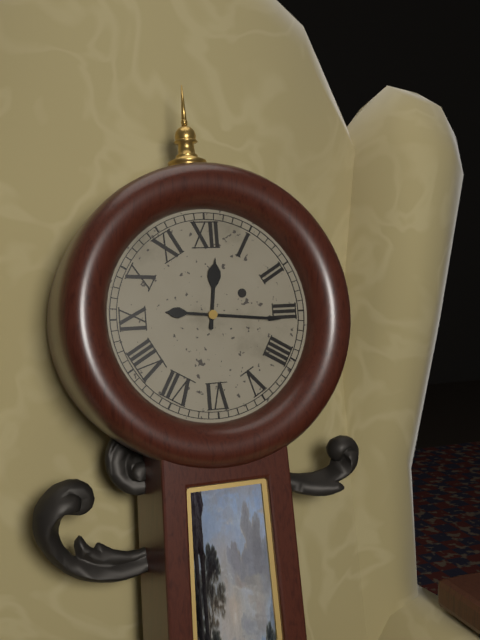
12 h 16 min
